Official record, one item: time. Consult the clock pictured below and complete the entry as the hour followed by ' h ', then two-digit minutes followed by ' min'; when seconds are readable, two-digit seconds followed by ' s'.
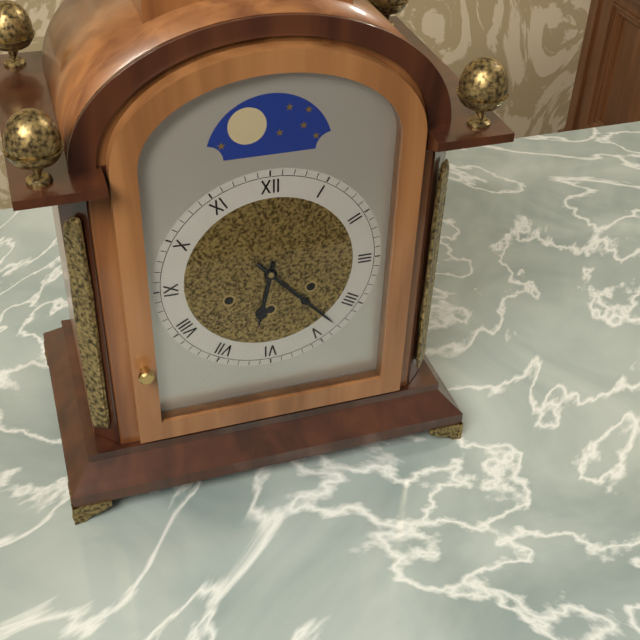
6 h 23 min
